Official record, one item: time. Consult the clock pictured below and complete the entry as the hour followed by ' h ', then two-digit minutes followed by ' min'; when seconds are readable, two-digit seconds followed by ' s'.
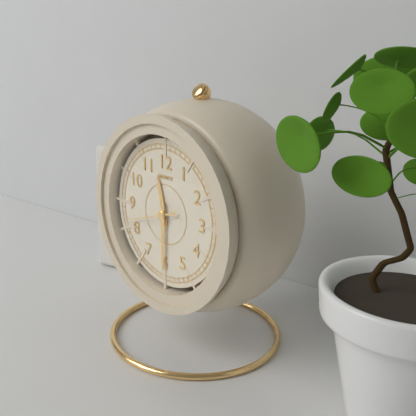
11 h 30 min
